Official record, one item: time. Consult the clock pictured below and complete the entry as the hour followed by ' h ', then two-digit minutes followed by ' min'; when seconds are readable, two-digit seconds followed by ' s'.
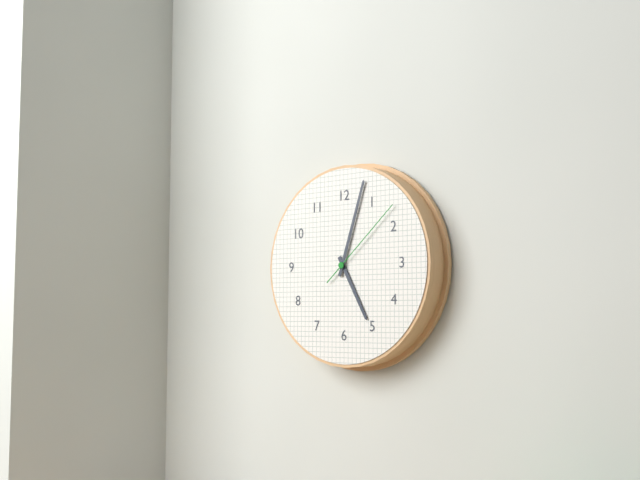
5 h 03 min 08 s
